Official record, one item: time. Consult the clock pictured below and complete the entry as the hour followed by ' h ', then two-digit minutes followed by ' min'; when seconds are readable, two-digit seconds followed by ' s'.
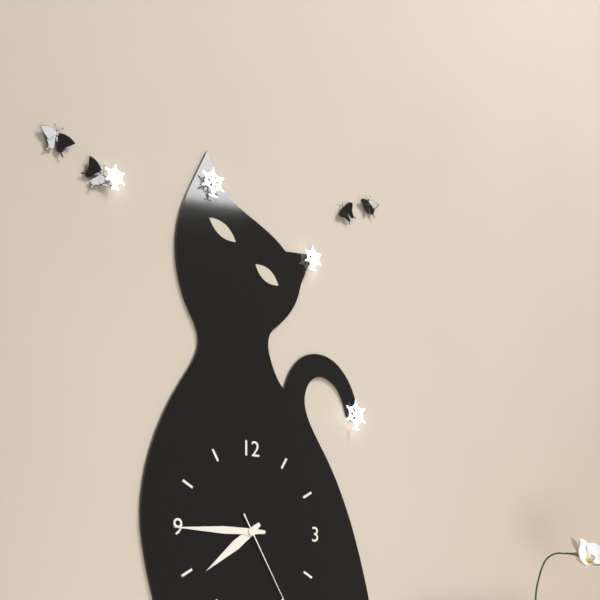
7 h 45 min
